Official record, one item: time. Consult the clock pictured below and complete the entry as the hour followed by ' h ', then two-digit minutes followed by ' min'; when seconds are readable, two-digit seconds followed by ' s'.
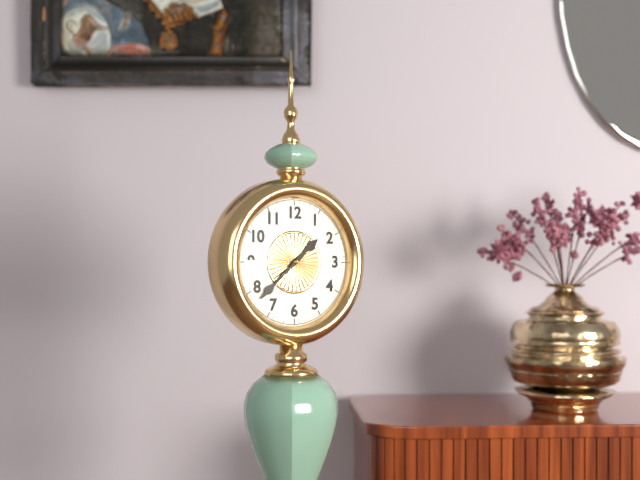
1 h 38 min
